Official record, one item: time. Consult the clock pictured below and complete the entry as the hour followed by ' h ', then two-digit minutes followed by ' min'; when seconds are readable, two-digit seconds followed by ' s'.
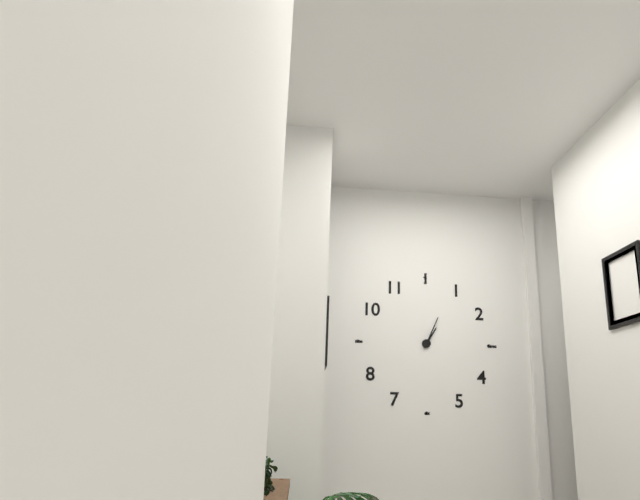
1 h 04 min
